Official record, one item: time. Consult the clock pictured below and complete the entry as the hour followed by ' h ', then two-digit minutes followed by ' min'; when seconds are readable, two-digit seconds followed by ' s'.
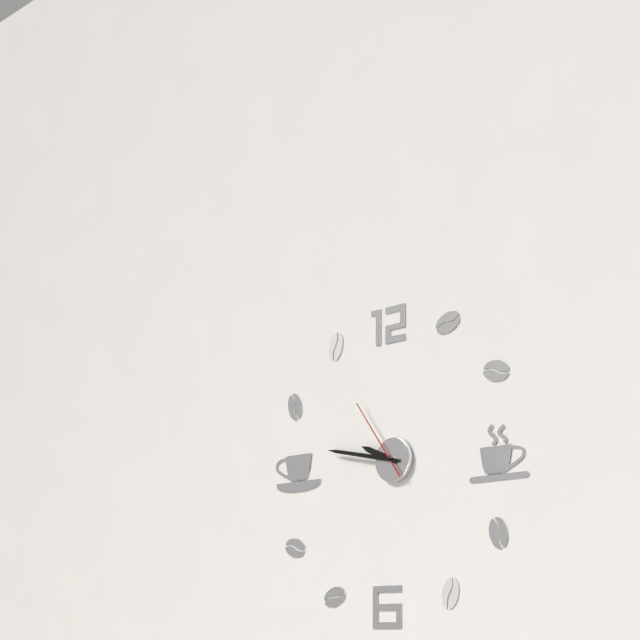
9 h 47 min 54 s
